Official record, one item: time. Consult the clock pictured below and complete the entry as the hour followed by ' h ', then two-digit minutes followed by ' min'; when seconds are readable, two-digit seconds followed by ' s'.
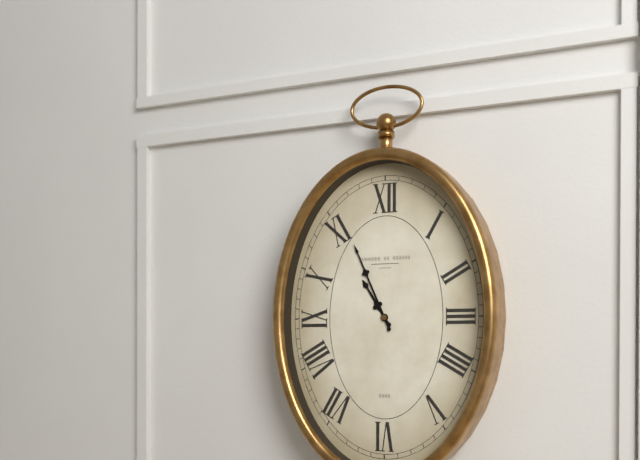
10 h 56 min
